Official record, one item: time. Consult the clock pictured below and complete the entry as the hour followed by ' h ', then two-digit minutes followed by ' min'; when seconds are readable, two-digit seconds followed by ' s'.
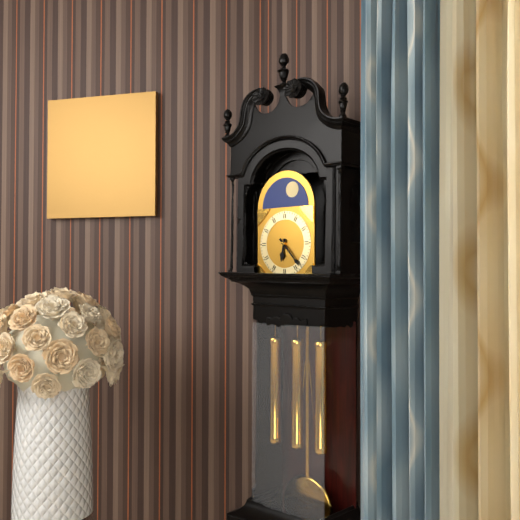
6 h 23 min
